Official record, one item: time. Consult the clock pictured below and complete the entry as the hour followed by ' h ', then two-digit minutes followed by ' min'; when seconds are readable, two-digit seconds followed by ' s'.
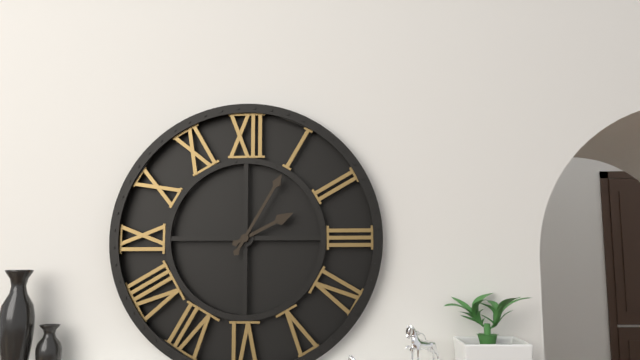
2 h 05 min
